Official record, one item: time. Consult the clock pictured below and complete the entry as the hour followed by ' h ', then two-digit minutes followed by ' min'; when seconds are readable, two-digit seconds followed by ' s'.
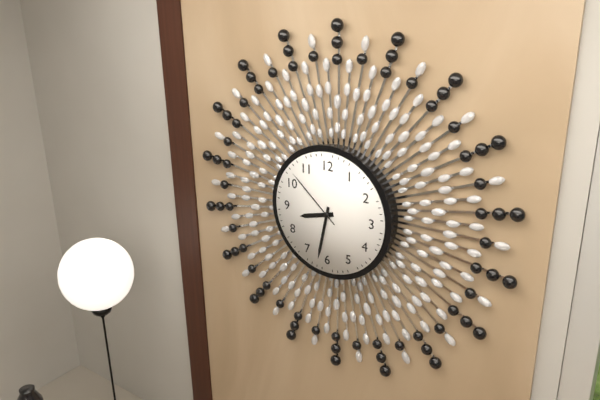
8 h 32 min 52 s
